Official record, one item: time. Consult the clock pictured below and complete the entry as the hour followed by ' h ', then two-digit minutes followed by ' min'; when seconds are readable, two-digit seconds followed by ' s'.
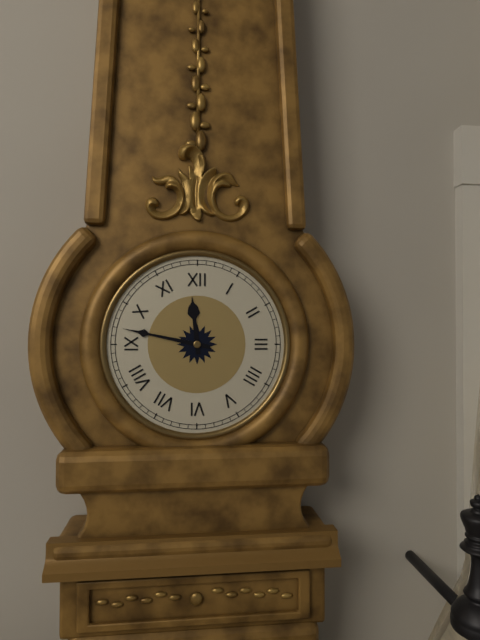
11 h 47 min
